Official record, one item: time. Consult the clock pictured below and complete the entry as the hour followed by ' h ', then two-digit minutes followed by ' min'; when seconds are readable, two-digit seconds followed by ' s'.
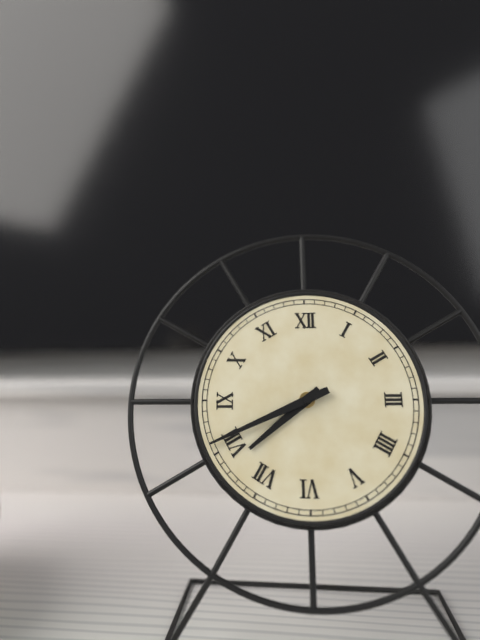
7 h 41 min
